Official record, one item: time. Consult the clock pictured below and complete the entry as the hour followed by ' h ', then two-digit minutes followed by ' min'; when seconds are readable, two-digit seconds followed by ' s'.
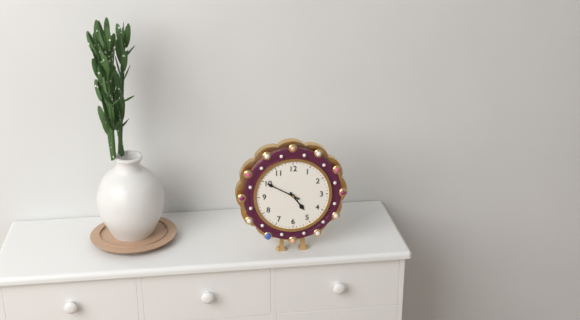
4 h 50 min
